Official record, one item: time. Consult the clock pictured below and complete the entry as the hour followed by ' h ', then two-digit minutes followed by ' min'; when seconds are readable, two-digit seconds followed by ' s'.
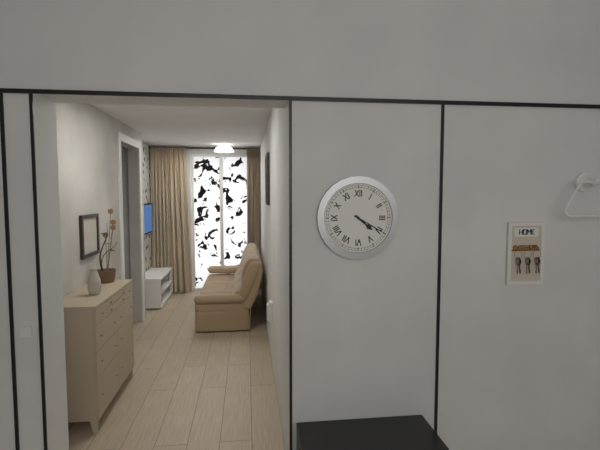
4 h 20 min
